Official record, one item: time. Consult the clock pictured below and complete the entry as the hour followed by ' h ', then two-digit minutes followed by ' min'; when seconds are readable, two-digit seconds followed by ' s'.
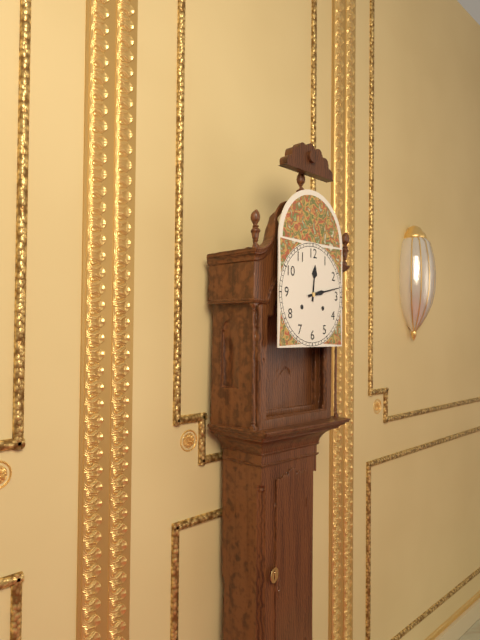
12 h 13 min
